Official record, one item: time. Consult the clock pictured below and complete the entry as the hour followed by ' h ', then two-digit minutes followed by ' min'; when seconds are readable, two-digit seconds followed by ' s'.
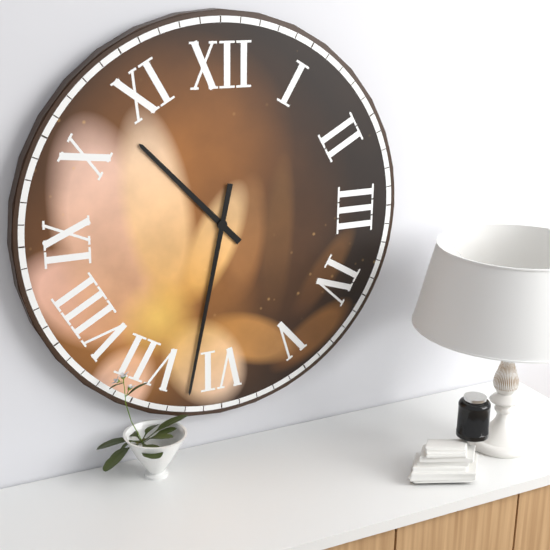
10 h 32 min
